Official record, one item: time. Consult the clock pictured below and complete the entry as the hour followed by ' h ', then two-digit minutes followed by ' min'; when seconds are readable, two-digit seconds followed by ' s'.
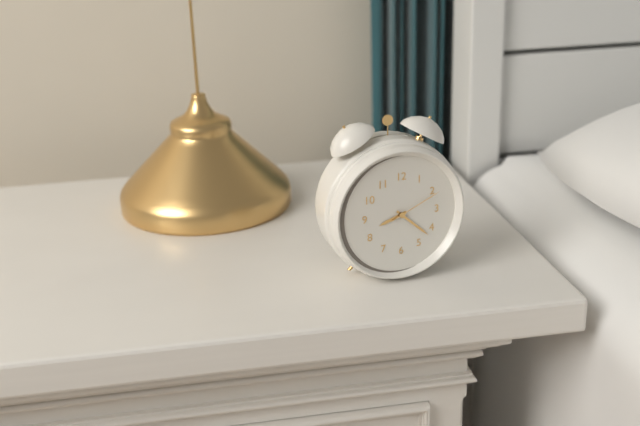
8 h 22 min 11 s
